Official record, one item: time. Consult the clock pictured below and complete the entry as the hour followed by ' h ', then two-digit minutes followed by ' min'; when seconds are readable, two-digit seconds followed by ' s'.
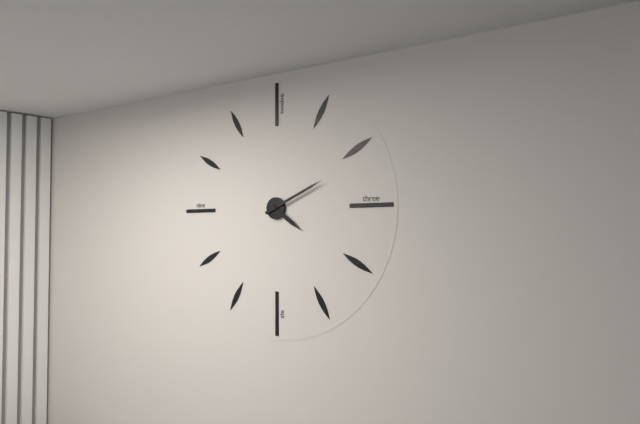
4 h 11 min
